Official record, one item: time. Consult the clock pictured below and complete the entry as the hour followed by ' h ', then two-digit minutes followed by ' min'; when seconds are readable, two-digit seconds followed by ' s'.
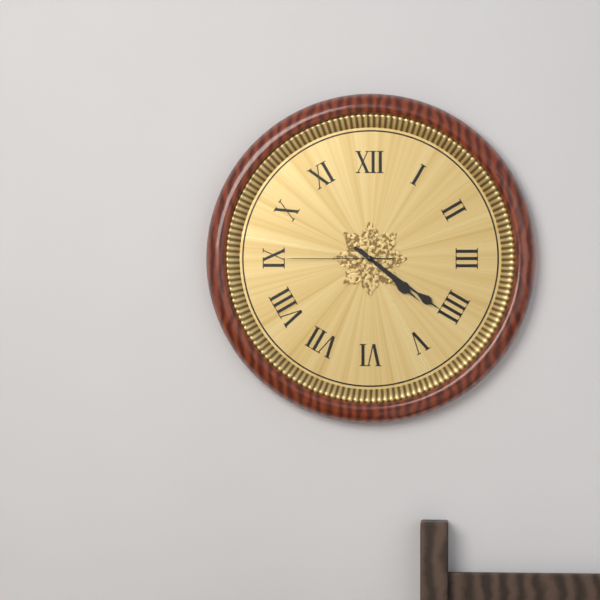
4 h 21 min 45 s
